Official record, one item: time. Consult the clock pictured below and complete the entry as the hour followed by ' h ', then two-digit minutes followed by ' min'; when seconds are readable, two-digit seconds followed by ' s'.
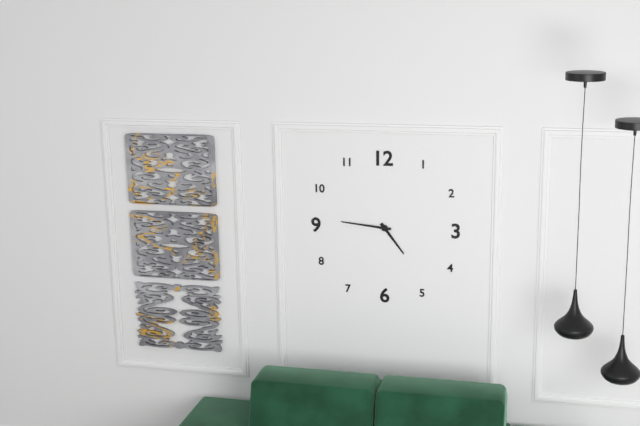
4 h 46 min
